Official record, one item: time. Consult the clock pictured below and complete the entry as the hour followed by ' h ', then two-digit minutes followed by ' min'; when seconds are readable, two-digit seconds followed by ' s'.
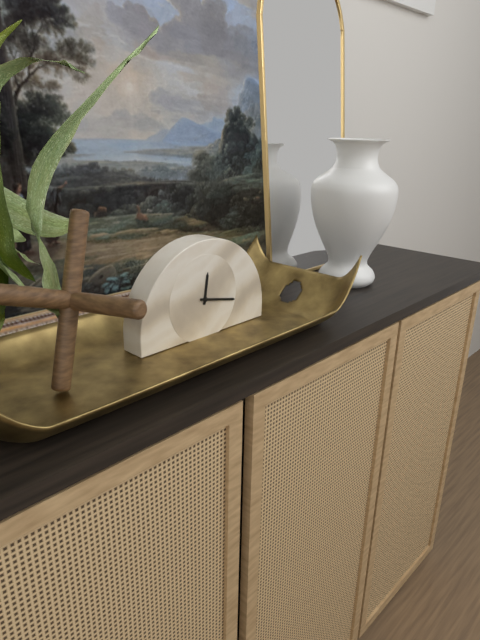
12 h 17 min
